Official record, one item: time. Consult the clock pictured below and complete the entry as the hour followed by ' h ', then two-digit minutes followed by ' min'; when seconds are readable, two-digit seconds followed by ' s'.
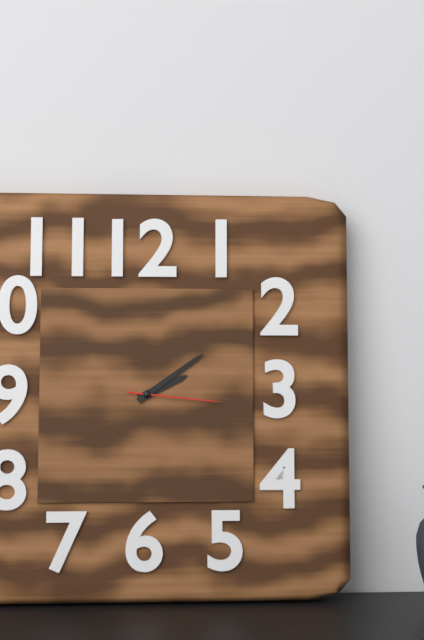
2 h 09 min 16 s
